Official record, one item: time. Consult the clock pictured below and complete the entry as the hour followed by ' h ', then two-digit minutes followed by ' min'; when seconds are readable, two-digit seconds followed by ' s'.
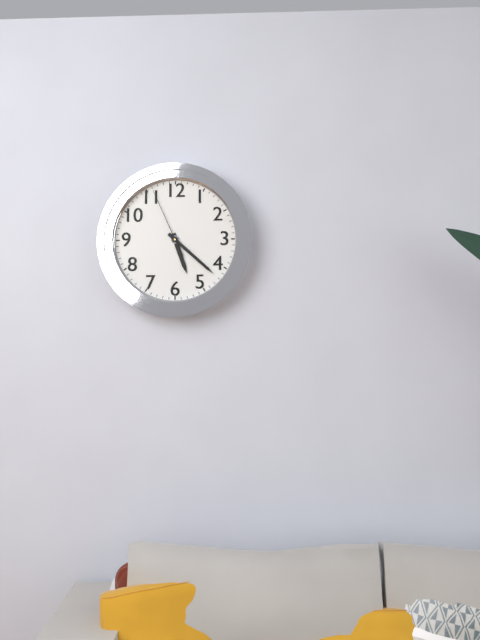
5 h 22 min 56 s
